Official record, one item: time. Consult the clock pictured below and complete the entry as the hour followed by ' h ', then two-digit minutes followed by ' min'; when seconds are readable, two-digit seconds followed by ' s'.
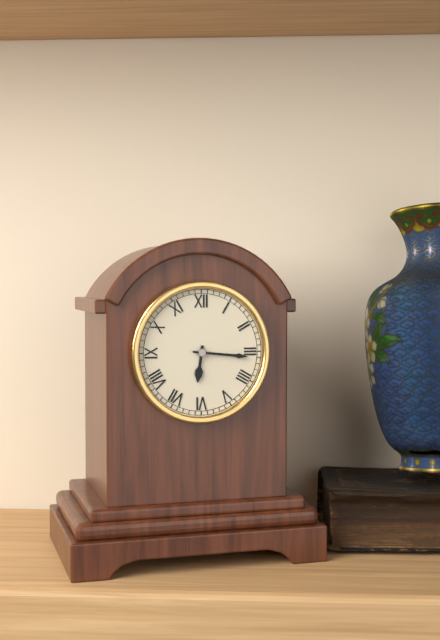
6 h 16 min
